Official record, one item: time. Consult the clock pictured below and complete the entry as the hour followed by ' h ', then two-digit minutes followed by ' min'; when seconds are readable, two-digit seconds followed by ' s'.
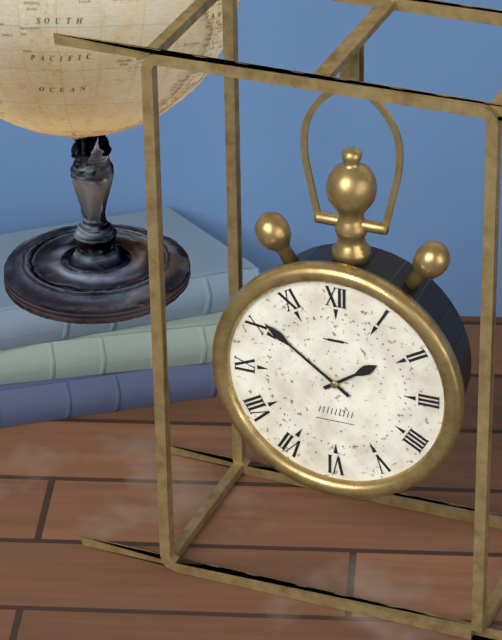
1 h 51 min
